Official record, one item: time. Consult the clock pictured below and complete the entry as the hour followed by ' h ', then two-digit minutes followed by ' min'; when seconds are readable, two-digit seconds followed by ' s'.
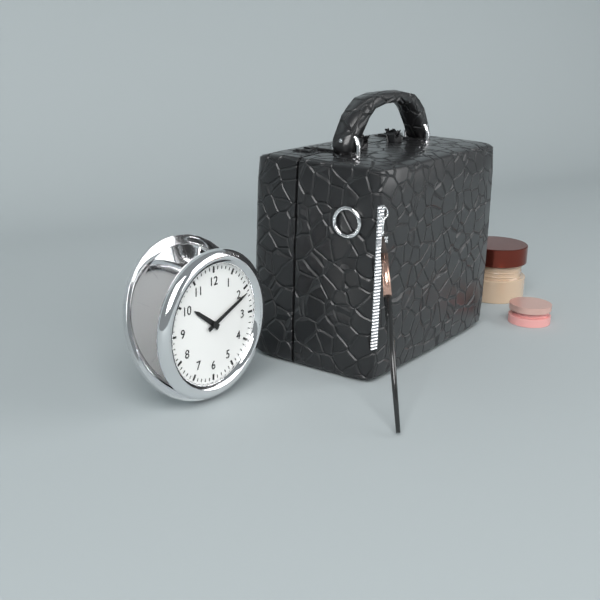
10 h 11 min
